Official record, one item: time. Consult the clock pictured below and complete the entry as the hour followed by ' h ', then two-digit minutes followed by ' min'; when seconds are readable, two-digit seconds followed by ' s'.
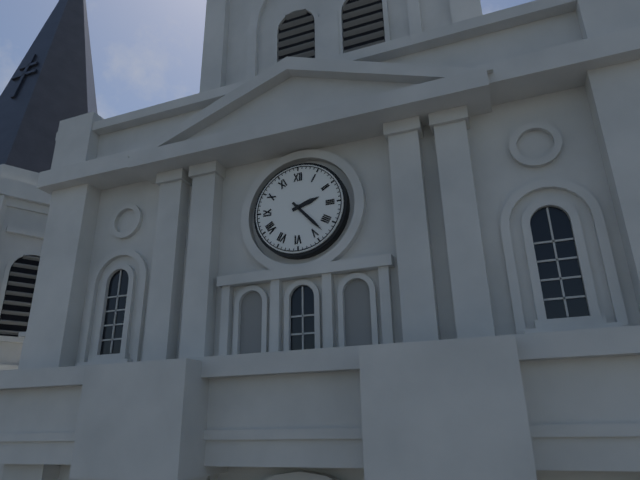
2 h 23 min
